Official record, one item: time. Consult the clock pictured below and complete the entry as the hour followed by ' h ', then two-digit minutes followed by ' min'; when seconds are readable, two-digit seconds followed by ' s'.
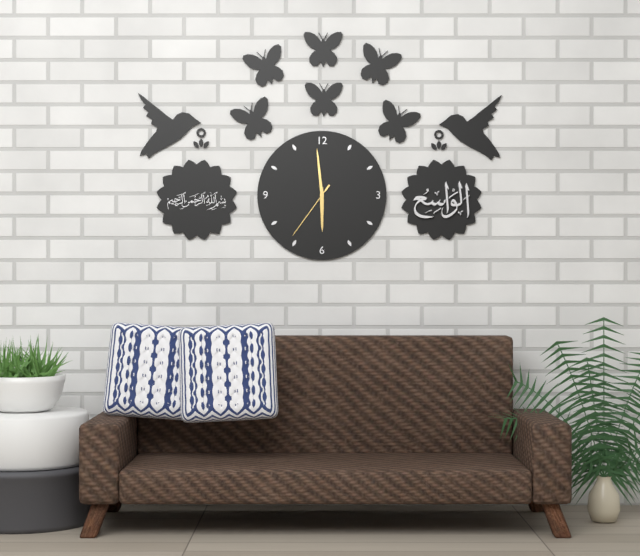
5 h 59 min 36 s
